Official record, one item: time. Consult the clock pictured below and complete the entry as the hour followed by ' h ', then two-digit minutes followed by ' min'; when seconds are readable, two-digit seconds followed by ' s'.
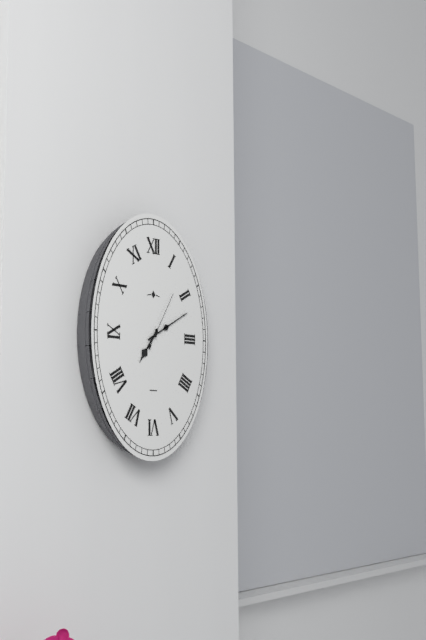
7 h 10 min 05 s
